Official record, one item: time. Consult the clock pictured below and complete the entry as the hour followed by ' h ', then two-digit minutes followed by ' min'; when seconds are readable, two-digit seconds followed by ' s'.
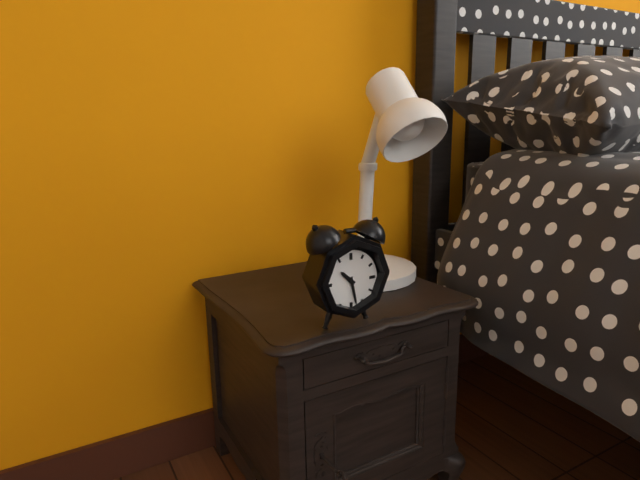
10 h 28 min
